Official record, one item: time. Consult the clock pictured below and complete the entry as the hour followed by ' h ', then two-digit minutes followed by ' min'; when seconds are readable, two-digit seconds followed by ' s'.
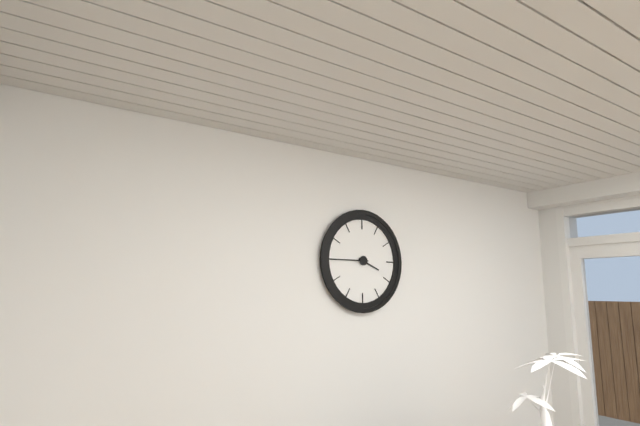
3 h 45 min
